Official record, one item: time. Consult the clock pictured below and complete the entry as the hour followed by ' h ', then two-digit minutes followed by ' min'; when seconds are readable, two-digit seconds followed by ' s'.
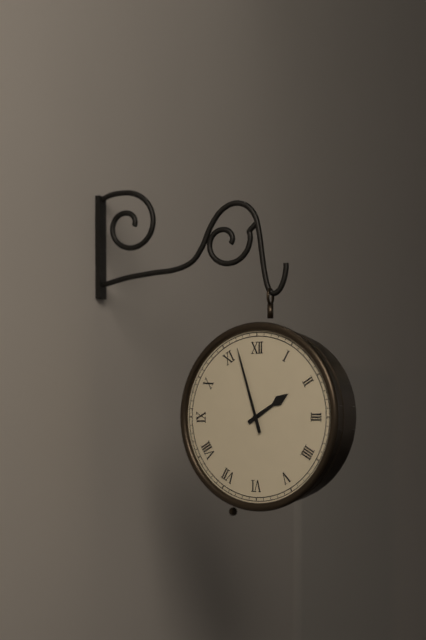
1 h 57 min
